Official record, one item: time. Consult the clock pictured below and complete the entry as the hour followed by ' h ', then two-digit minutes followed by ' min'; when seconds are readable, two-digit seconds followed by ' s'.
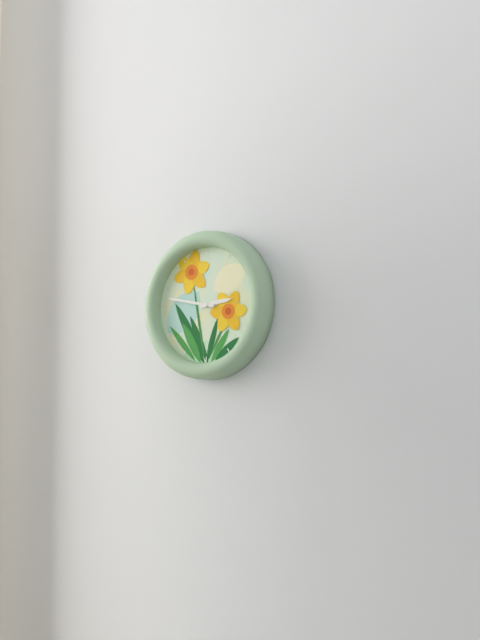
2 h 47 min
